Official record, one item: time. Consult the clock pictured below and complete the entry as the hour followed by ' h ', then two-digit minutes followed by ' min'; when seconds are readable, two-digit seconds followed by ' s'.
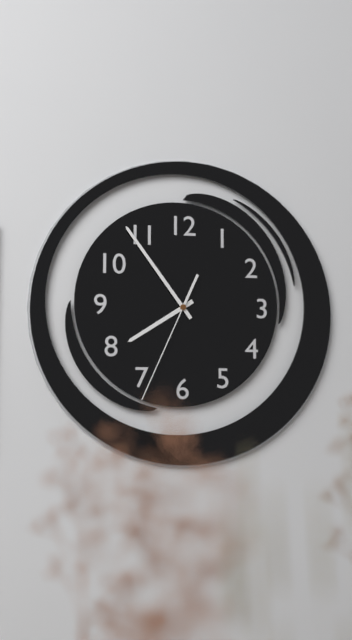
7 h 54 min 34 s
